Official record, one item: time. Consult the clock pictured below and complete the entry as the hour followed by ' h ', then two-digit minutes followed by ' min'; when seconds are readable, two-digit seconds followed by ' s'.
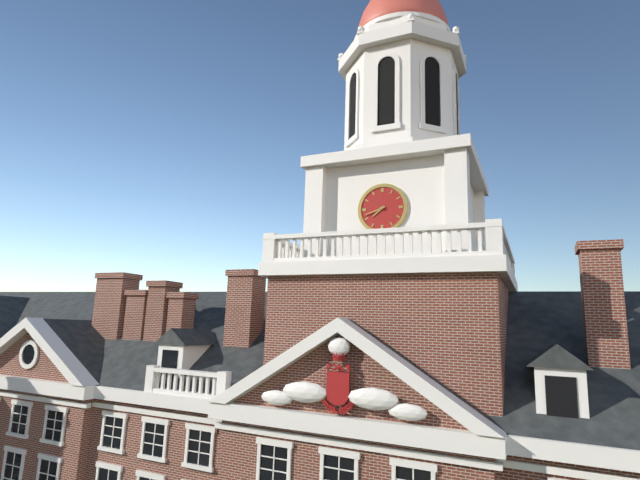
7 h 42 min
